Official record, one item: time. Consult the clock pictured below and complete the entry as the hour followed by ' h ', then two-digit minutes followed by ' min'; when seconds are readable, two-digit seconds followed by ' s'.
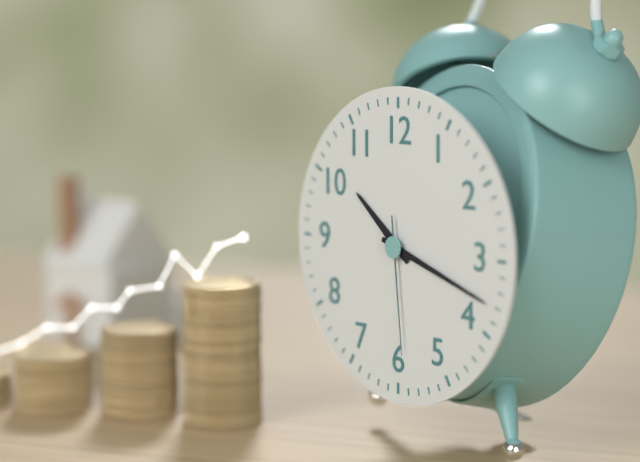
10 h 18 min 29 s
